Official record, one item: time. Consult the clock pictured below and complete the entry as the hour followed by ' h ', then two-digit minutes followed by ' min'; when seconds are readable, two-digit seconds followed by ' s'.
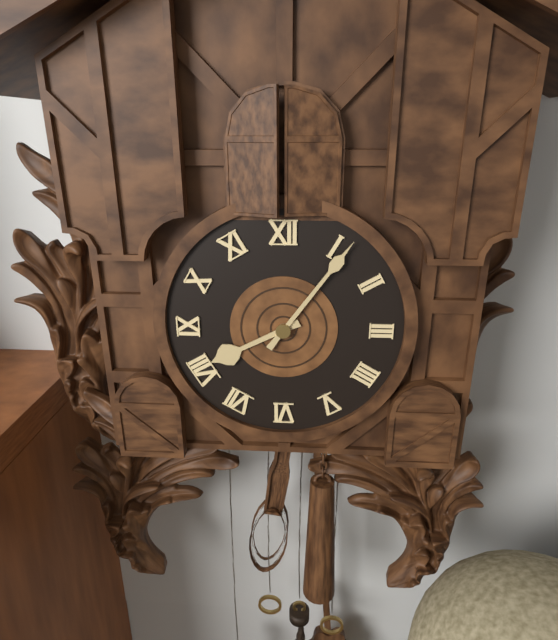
8 h 06 min
